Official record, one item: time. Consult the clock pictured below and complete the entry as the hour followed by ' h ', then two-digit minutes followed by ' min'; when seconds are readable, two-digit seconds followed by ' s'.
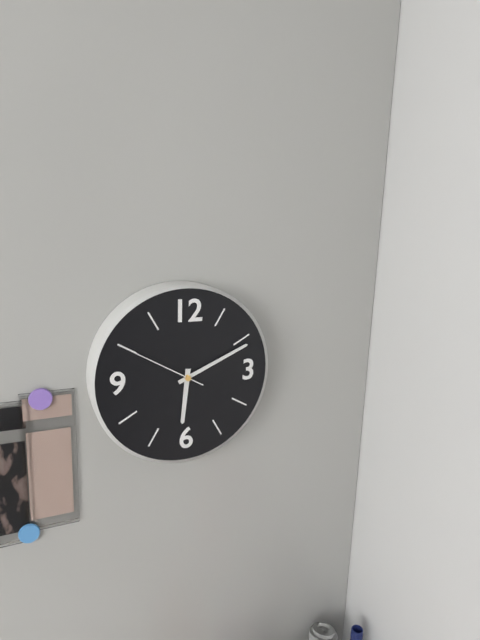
6 h 11 min 50 s
